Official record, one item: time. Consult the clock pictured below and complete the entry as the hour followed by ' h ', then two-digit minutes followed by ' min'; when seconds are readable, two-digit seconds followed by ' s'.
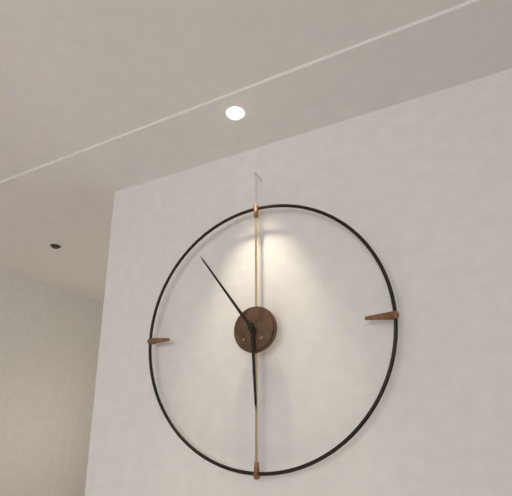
5 h 54 min
